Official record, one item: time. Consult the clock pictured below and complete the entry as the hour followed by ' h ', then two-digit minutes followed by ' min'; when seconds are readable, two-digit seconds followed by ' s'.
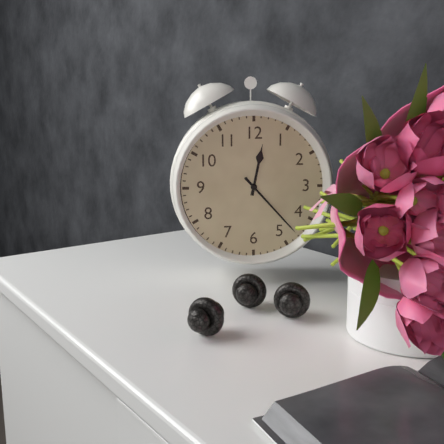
12 h 23 min
